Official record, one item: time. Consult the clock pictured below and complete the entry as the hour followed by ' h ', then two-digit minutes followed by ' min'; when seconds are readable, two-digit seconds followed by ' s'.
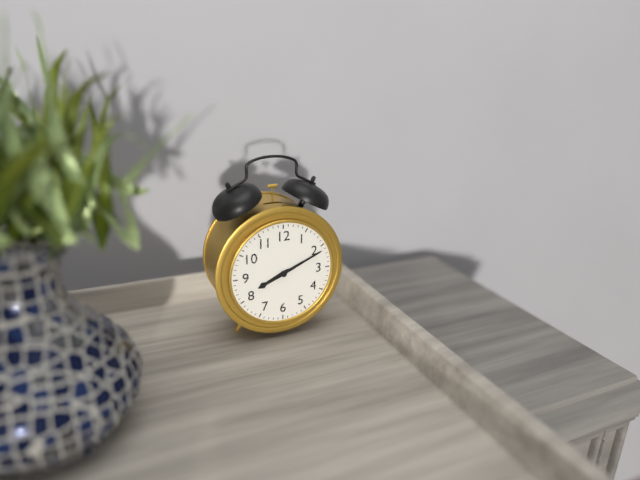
8 h 11 min
